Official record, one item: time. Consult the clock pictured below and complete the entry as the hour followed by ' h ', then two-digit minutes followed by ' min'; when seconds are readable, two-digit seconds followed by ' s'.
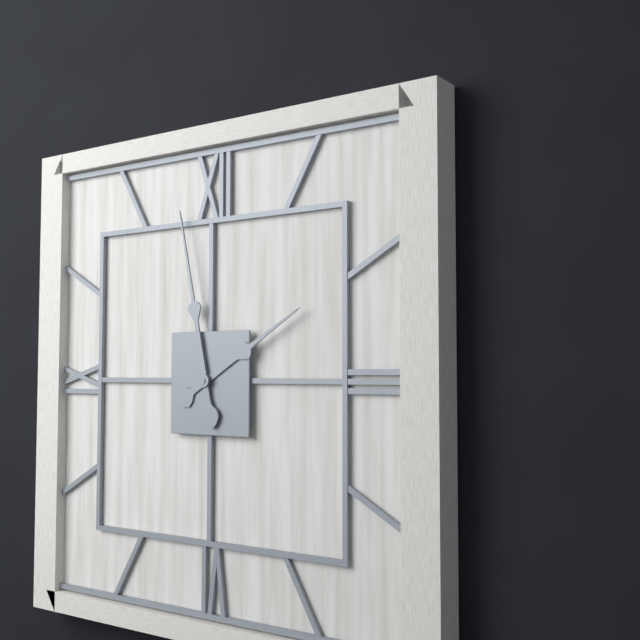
1 h 58 min
